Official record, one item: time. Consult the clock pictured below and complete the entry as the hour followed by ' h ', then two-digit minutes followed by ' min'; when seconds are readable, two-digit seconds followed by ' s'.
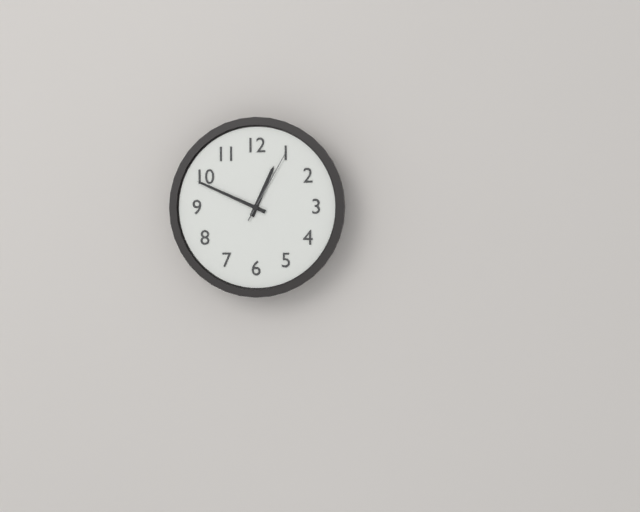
12 h 49 min 05 s
